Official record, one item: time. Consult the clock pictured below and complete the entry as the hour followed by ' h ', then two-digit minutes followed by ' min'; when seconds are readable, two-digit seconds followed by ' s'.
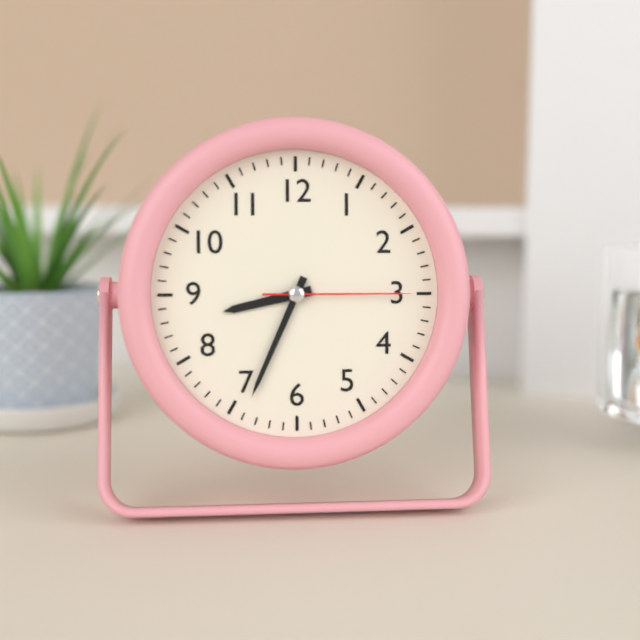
8 h 34 min 15 s
